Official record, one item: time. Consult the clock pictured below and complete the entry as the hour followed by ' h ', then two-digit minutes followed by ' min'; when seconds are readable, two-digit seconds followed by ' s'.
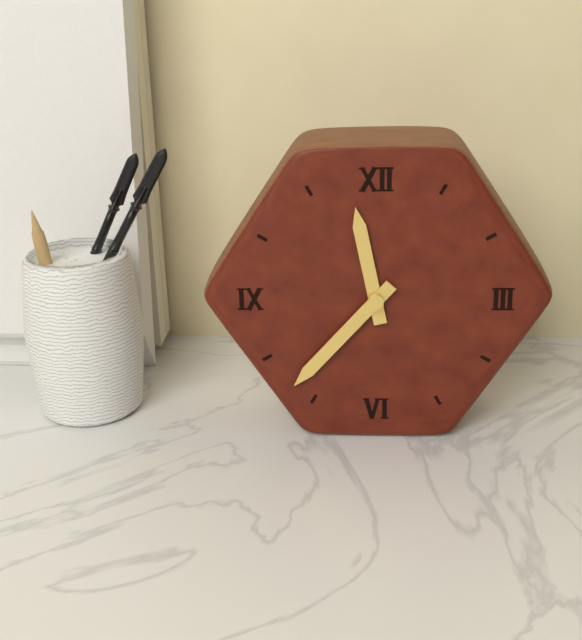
11 h 37 min
